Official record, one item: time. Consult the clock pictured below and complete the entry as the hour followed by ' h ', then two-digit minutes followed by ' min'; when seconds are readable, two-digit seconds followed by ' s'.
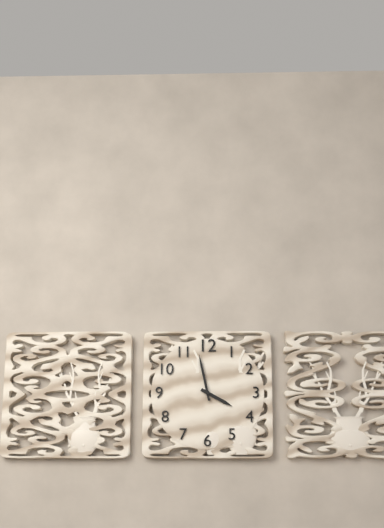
3 h 58 min
